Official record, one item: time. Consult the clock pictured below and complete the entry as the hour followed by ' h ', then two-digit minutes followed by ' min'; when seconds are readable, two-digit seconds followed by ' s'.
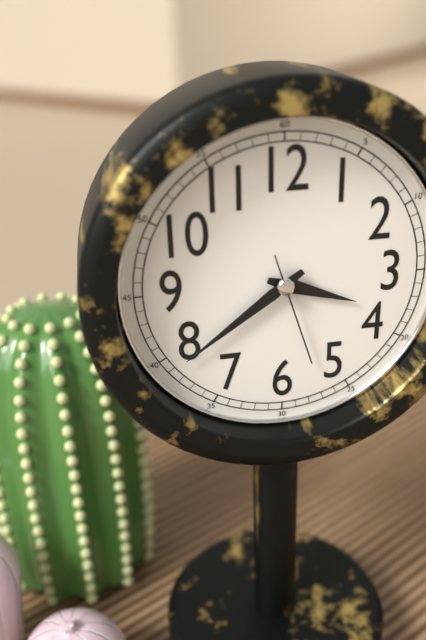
3 h 39 min 27 s
